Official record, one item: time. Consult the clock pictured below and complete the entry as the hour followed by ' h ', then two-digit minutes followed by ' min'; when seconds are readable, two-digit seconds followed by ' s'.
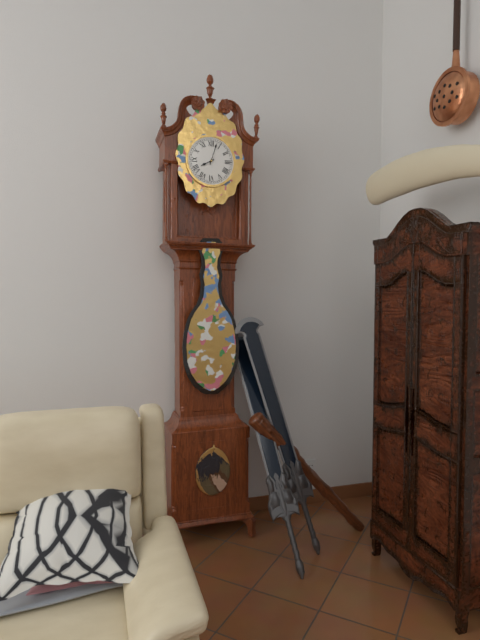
8 h 03 min
